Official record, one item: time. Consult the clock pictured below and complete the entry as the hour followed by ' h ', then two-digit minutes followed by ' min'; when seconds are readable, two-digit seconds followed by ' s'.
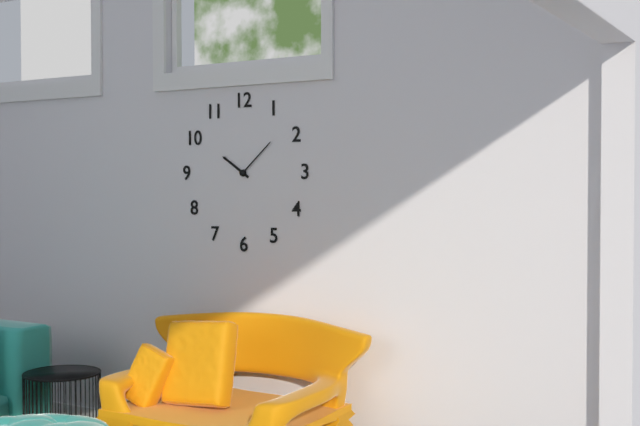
10 h 08 min
